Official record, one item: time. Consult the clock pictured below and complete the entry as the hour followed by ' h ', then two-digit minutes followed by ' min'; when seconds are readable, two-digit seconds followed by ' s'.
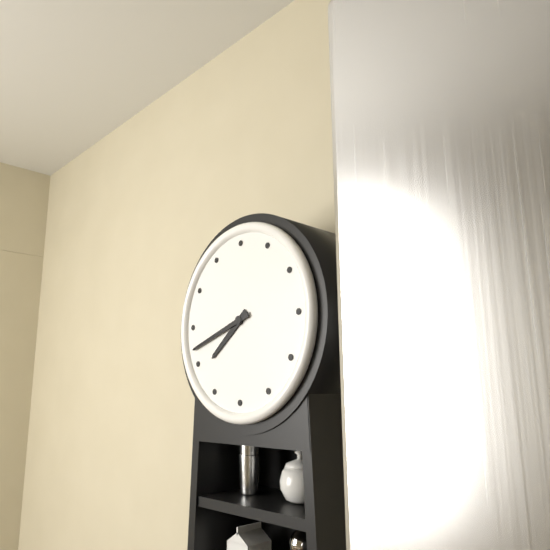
7 h 42 min
